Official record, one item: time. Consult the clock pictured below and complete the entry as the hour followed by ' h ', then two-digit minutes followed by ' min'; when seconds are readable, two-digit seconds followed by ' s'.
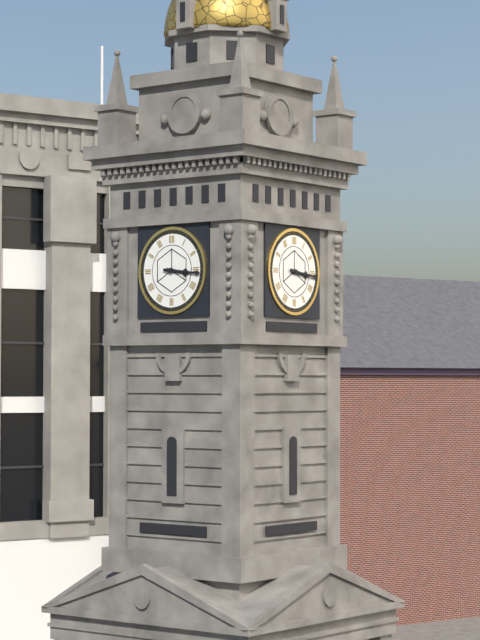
3 h 16 min
